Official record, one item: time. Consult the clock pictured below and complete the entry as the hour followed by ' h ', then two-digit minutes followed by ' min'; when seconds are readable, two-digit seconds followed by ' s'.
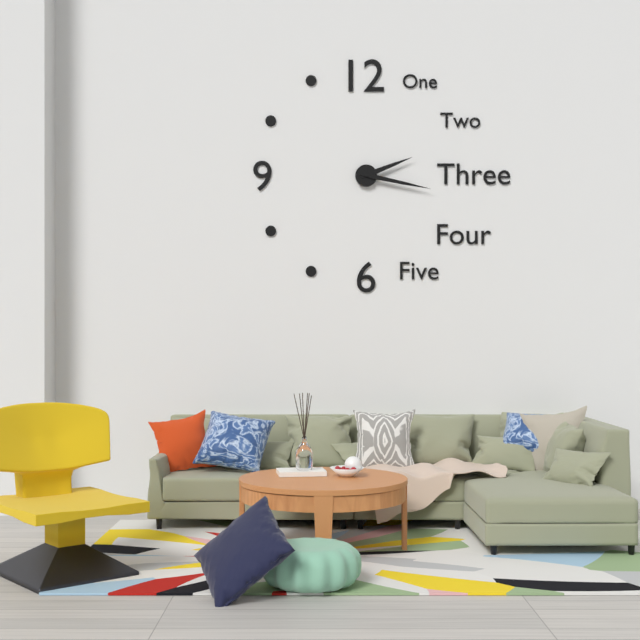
2 h 17 min
